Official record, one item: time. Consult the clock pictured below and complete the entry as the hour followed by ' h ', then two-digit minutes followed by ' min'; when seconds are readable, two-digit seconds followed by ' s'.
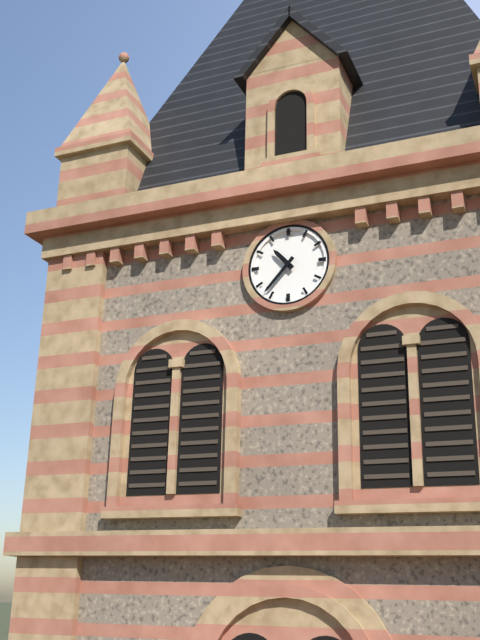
10 h 37 min
